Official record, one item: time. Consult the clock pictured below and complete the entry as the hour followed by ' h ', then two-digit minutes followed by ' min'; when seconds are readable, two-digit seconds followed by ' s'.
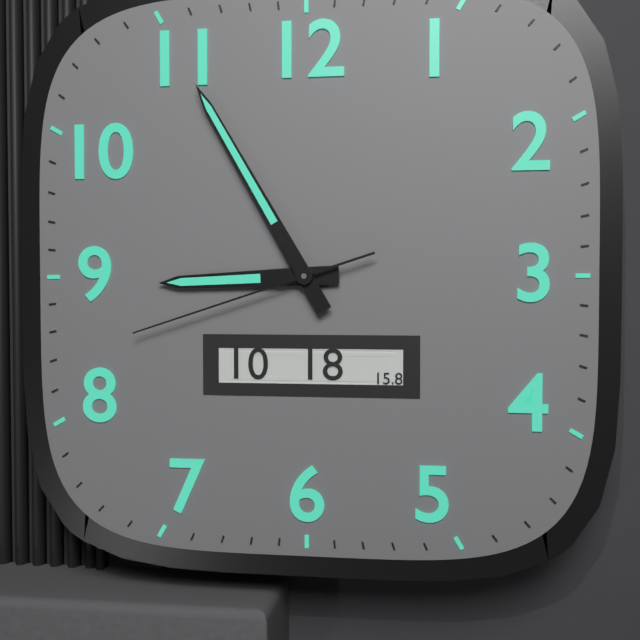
8 h 55 min 42 s
